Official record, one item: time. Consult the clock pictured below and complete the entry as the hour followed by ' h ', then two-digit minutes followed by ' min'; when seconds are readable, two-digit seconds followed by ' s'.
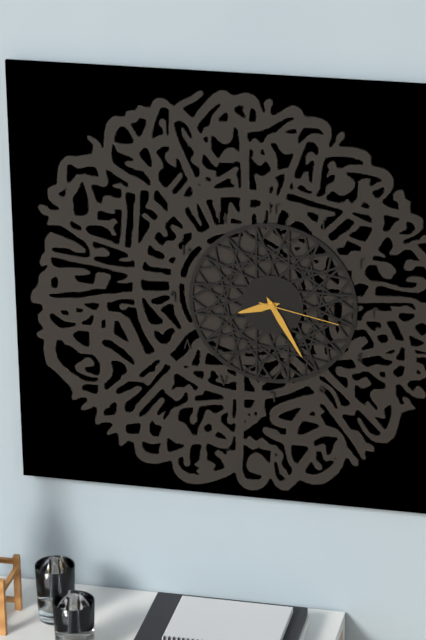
8 h 25 min 17 s
